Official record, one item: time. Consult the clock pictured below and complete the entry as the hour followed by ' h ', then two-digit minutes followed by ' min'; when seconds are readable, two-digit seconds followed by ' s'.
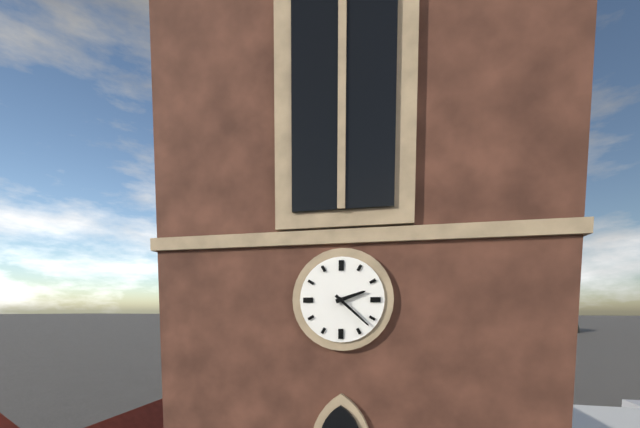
2 h 22 min
